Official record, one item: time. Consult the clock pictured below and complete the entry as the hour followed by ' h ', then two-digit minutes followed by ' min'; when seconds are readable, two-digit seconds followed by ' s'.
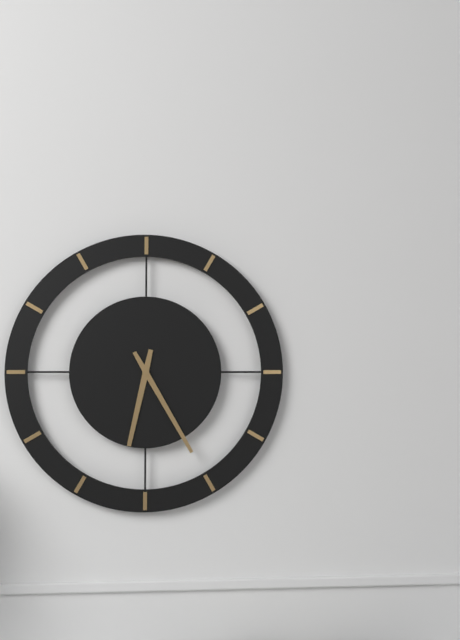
6 h 25 min
